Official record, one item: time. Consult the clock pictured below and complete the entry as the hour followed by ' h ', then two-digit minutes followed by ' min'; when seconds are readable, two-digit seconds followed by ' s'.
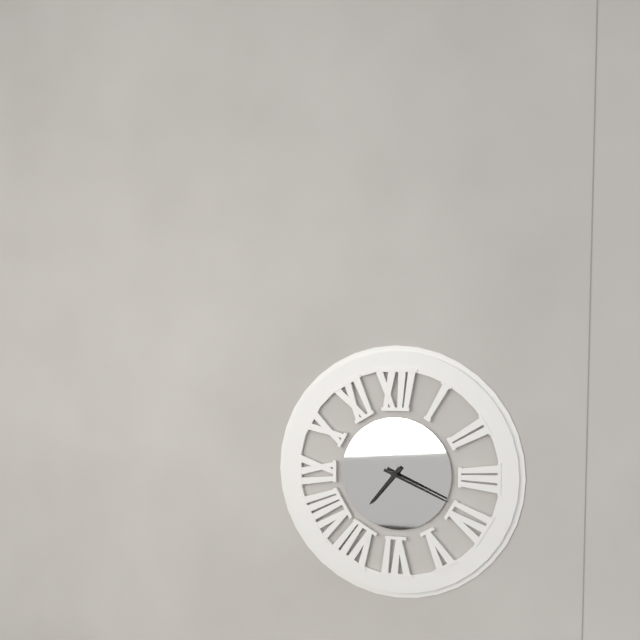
7 h 19 min
